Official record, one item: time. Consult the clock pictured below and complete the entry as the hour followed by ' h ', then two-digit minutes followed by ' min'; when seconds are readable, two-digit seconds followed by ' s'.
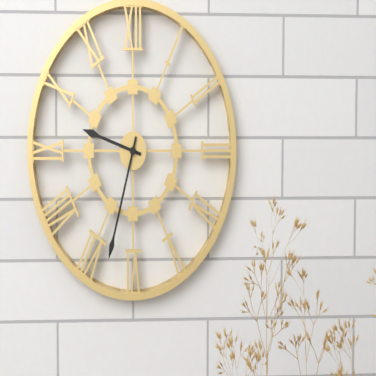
9 h 33 min
